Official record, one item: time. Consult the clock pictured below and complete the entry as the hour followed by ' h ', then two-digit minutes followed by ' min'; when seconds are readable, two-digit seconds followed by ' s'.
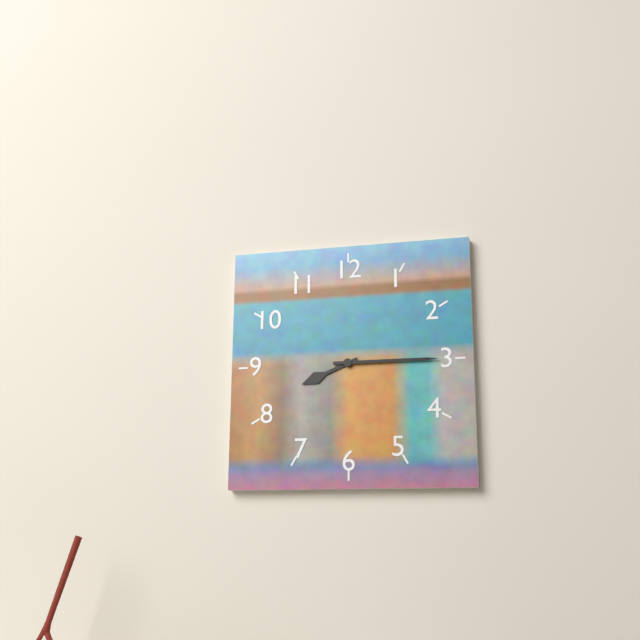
8 h 15 min
